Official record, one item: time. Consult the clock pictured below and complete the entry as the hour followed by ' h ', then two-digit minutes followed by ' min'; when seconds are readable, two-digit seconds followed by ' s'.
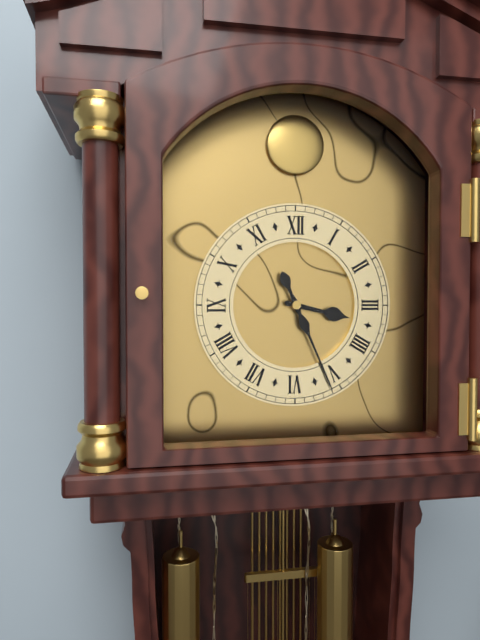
3 h 26 min
